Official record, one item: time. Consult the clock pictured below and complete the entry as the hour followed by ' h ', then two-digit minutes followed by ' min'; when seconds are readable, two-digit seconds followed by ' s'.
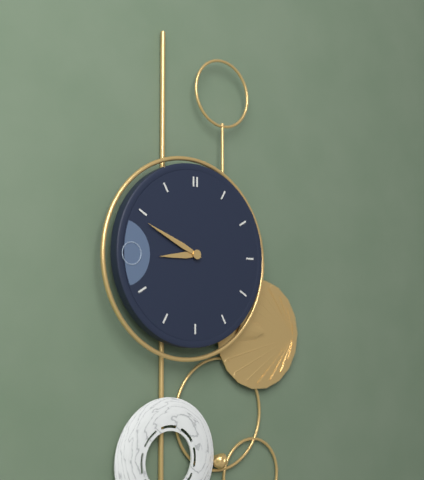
8 h 49 min
